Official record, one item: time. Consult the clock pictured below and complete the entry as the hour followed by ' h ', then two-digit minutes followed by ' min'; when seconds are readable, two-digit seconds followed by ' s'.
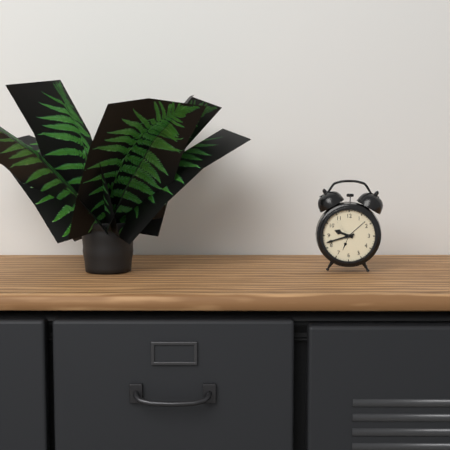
9 h 42 min
